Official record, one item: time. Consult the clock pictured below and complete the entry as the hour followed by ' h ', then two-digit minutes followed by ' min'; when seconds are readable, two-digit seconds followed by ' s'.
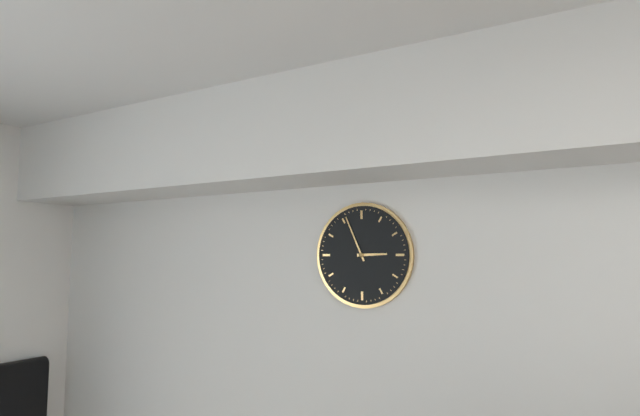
2 h 56 min
